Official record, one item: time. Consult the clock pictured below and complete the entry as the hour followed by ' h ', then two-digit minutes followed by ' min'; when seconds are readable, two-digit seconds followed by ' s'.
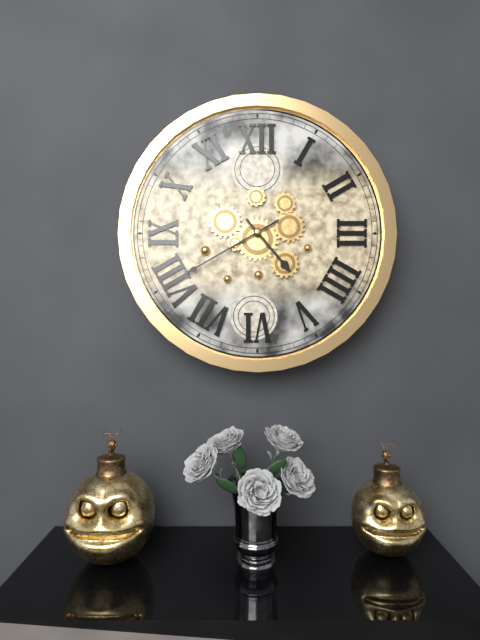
4 h 40 min
